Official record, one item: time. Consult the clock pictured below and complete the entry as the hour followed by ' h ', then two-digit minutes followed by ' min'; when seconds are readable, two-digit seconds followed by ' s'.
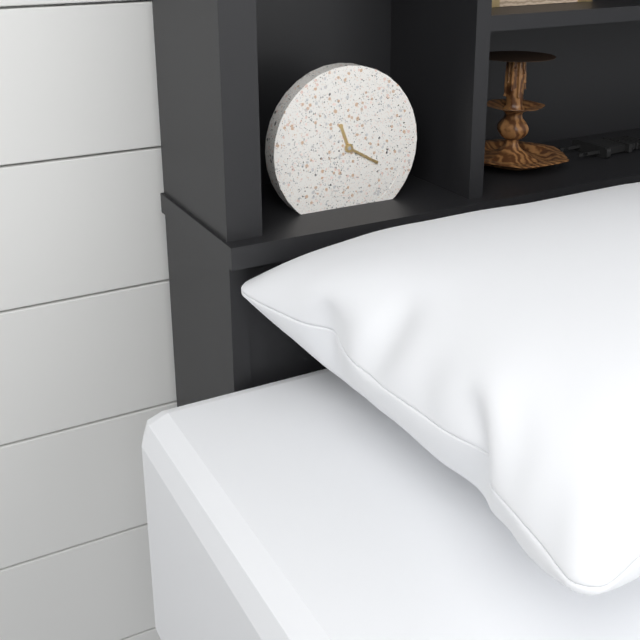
11 h 20 min
